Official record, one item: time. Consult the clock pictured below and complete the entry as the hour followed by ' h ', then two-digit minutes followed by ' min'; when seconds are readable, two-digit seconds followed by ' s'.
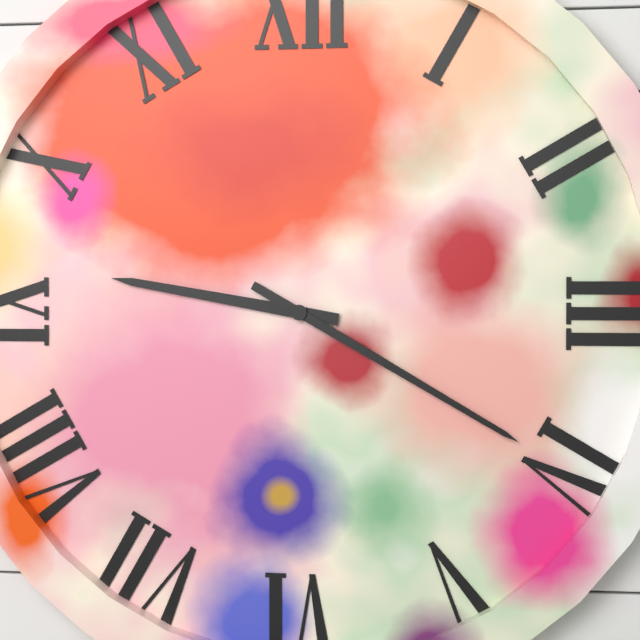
9 h 20 min
